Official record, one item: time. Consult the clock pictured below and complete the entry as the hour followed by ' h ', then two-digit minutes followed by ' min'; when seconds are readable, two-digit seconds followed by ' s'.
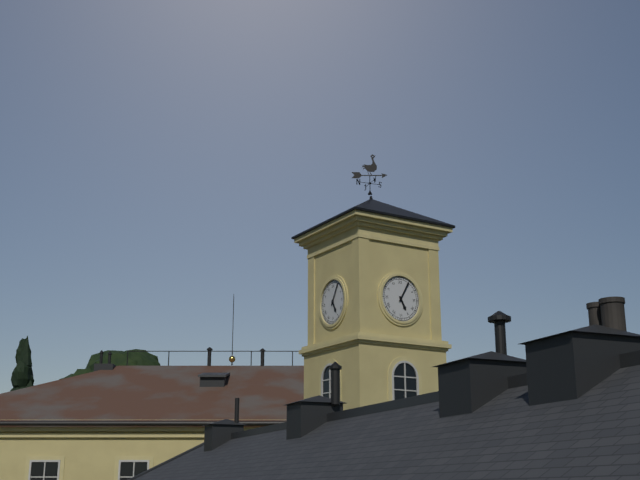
5 h 05 min
